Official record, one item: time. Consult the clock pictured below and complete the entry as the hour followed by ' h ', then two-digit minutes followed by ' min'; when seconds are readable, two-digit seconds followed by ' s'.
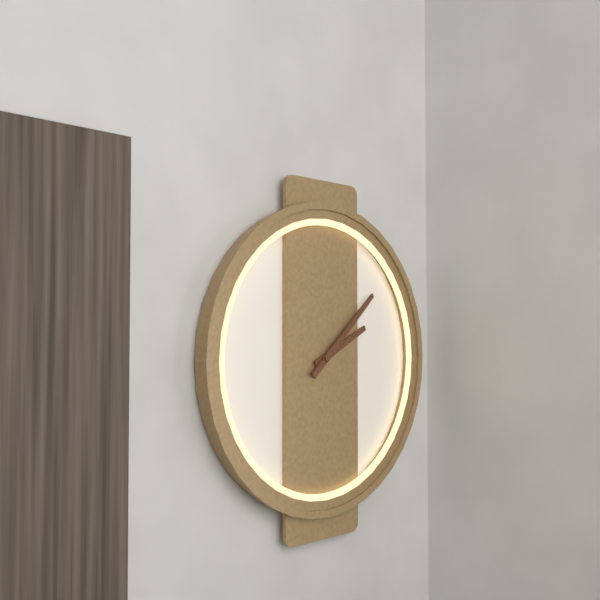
2 h 08 min
